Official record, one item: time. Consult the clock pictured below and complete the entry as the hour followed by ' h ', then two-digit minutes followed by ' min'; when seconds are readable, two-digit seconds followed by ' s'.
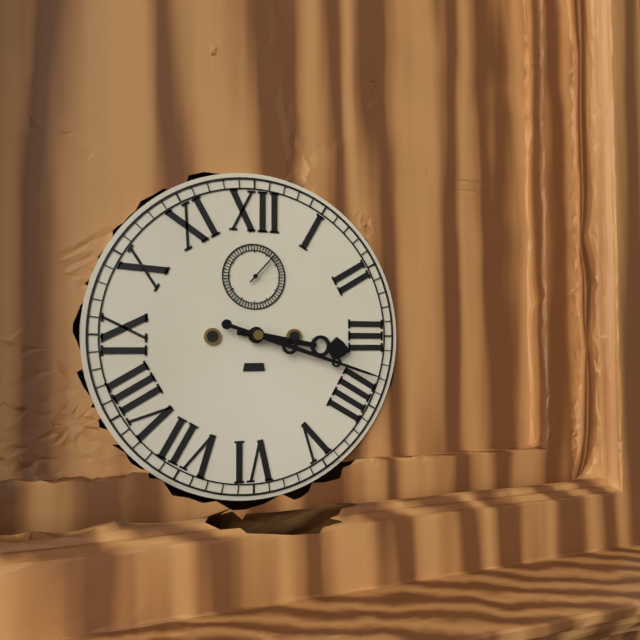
3 h 18 min
